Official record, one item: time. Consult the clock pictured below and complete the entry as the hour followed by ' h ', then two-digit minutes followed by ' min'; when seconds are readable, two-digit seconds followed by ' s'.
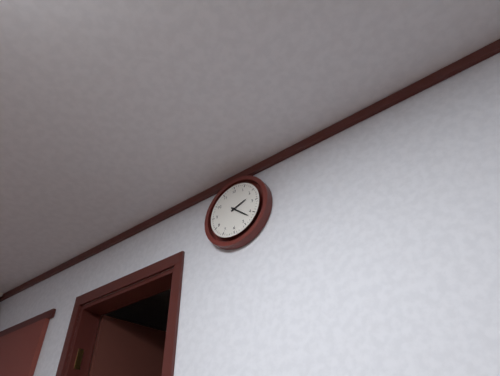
2 h 22 min
